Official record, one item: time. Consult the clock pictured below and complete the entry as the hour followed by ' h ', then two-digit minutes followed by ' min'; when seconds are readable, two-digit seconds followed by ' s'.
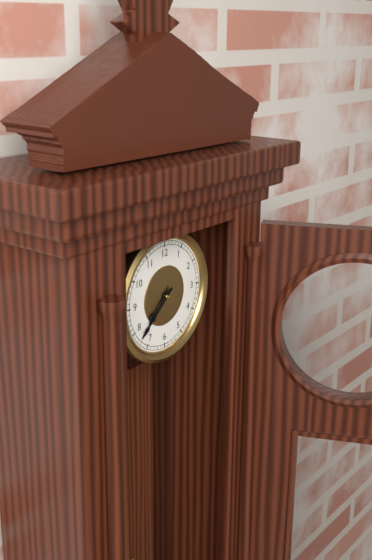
7 h 38 min
